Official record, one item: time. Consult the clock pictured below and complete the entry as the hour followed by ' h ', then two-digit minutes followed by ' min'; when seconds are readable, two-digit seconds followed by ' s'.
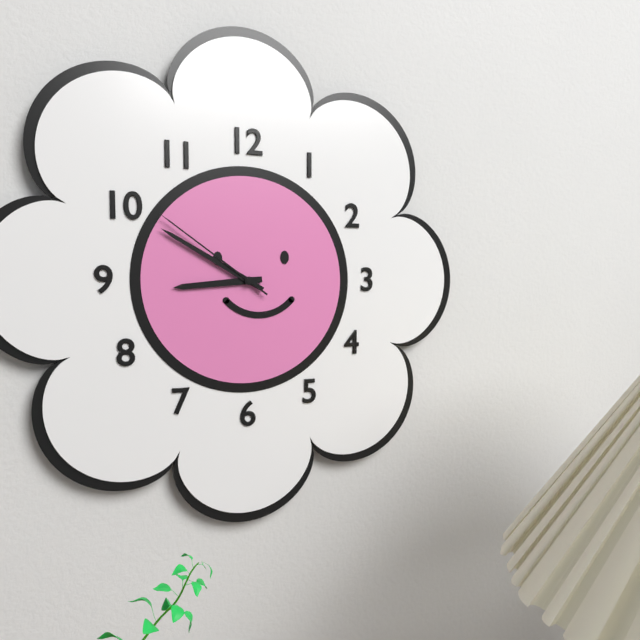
8 h 50 min 51 s
